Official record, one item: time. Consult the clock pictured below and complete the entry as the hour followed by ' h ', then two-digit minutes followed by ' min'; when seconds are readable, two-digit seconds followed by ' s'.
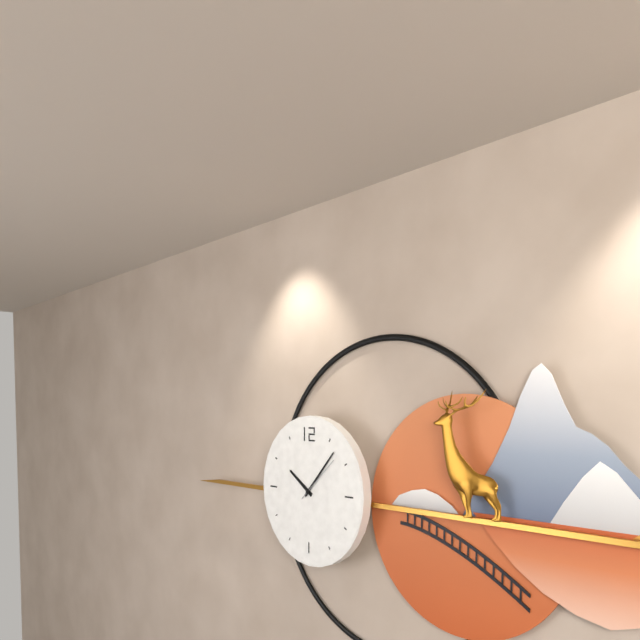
10 h 07 min 08 s
